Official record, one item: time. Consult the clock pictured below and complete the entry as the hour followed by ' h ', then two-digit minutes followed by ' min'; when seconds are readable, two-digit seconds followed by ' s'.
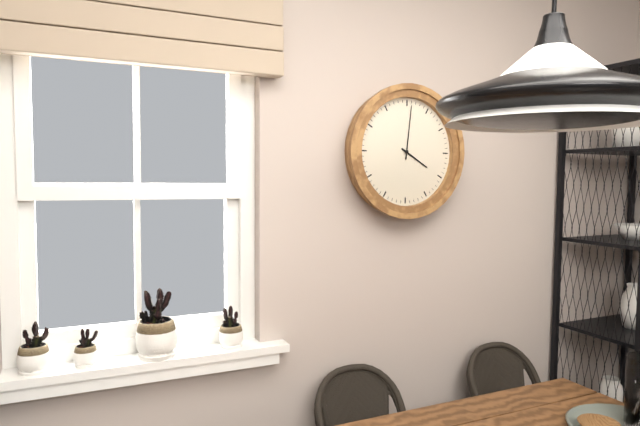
4 h 01 min
